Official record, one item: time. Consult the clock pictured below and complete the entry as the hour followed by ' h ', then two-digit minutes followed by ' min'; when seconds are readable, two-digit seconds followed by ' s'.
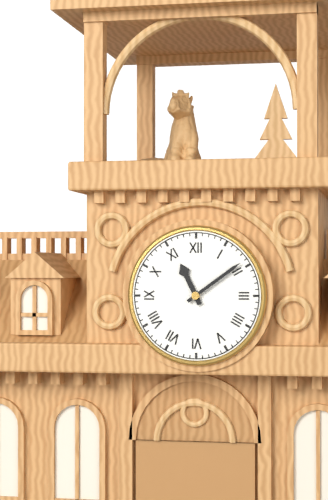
11 h 09 min
